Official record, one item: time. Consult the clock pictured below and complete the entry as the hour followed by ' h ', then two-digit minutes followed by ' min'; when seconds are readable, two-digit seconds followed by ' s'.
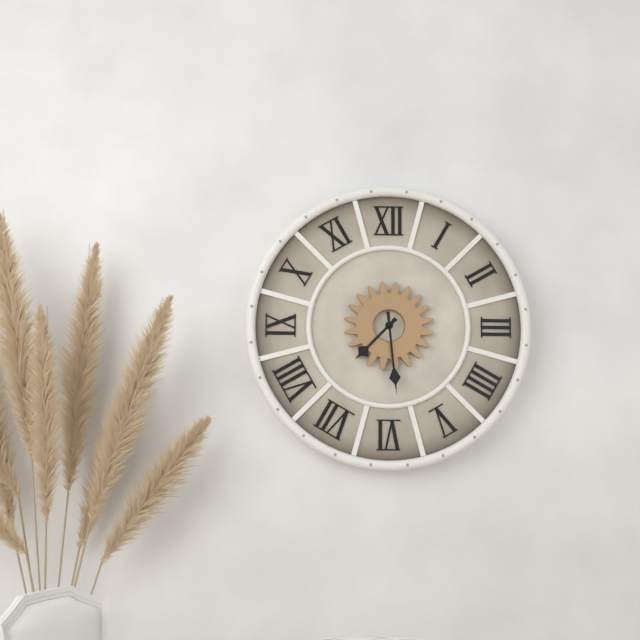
7 h 29 min
